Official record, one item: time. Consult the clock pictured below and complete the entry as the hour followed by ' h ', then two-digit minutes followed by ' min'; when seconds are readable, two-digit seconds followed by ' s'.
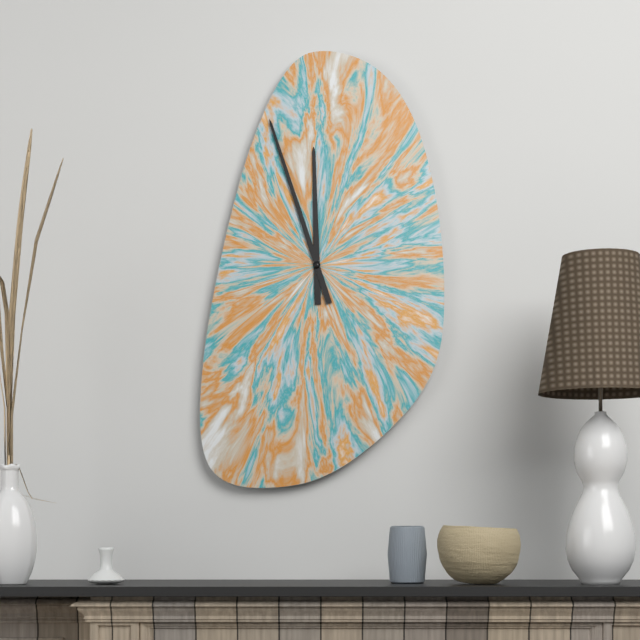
11 h 57 min
